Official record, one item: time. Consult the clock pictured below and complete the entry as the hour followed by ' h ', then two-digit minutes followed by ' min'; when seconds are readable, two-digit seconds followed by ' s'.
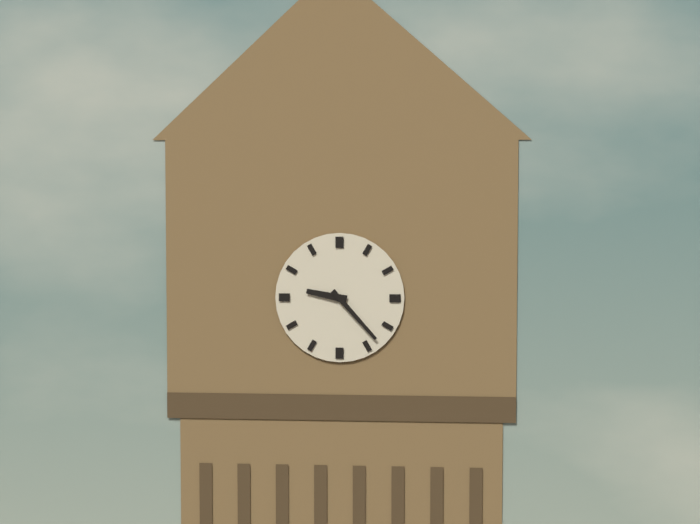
9 h 23 min
